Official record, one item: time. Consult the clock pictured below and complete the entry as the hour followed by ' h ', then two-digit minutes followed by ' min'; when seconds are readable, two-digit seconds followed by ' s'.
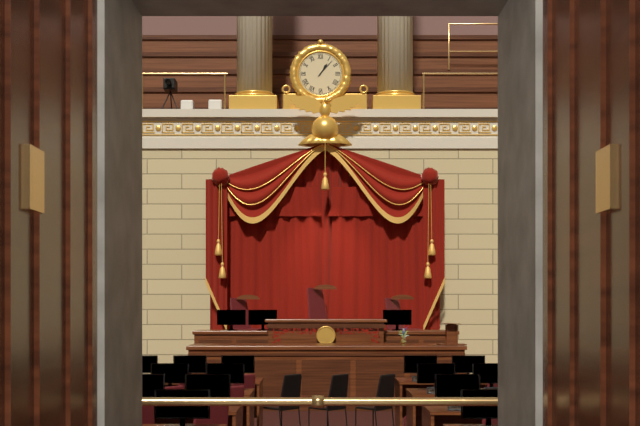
1 h 07 min
